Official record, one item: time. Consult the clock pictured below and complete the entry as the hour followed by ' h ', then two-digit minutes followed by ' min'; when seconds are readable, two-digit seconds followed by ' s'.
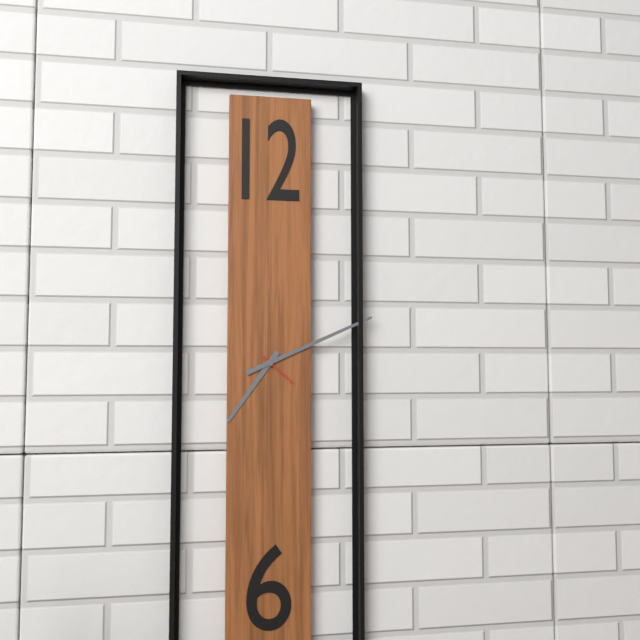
7 h 11 min
